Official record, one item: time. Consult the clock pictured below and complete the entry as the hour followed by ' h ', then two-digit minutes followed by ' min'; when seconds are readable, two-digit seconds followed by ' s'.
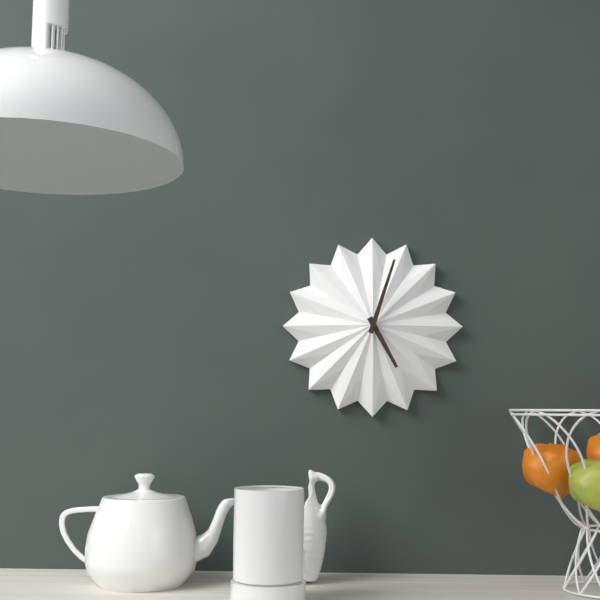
5 h 03 min
